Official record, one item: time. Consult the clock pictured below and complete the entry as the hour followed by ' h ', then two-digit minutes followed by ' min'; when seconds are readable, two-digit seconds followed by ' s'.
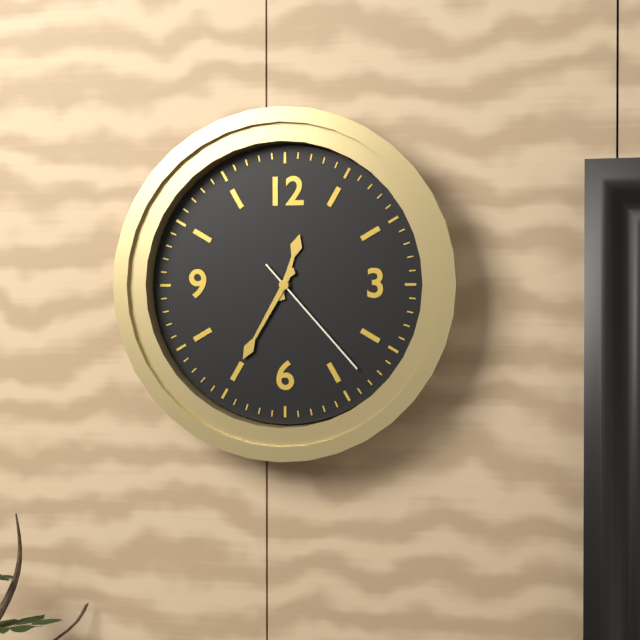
12 h 35 min 23 s
